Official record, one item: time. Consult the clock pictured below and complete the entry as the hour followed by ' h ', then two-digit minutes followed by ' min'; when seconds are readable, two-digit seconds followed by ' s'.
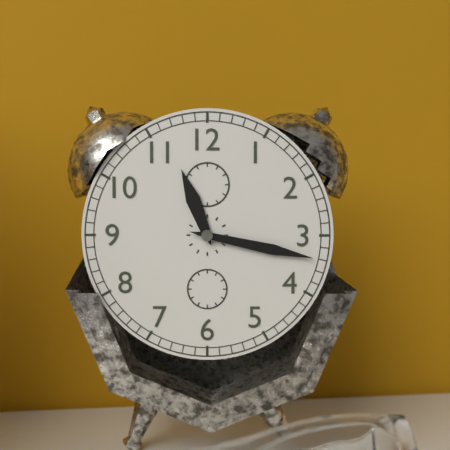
11 h 17 min
